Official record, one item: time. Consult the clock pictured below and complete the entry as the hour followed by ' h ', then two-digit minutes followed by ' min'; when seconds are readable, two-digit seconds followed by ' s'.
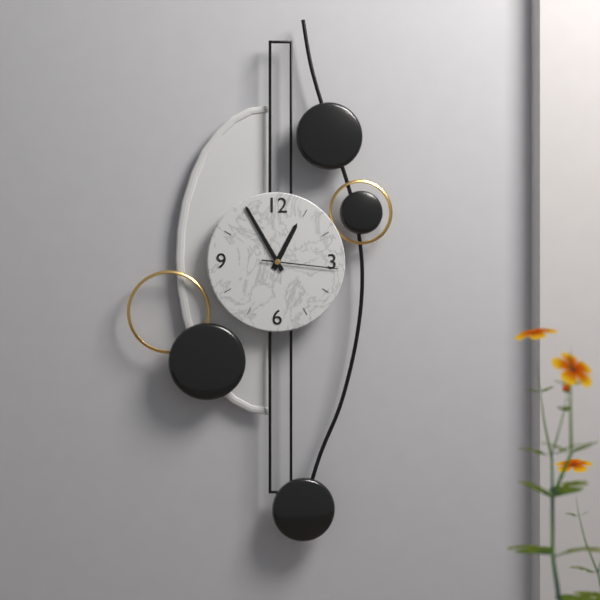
12 h 55 min 16 s
